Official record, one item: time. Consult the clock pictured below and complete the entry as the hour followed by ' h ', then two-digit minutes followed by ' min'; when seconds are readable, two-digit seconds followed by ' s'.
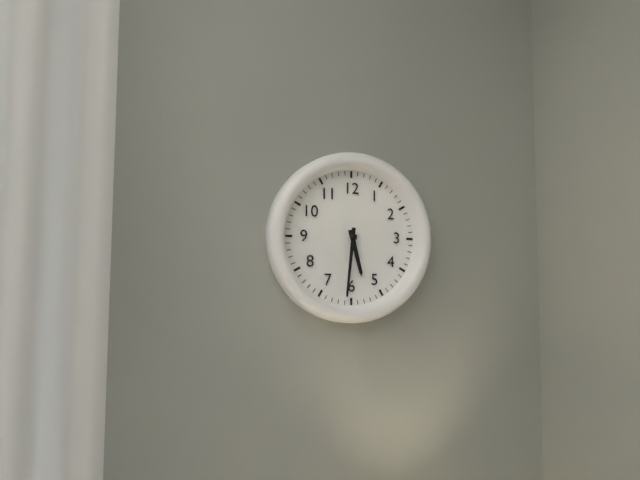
5 h 31 min
